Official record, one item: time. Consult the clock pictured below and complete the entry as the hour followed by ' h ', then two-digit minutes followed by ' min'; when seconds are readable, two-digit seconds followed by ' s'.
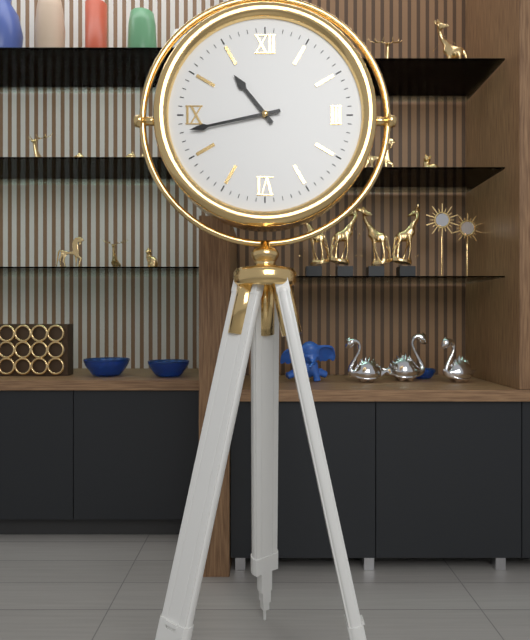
10 h 43 min
